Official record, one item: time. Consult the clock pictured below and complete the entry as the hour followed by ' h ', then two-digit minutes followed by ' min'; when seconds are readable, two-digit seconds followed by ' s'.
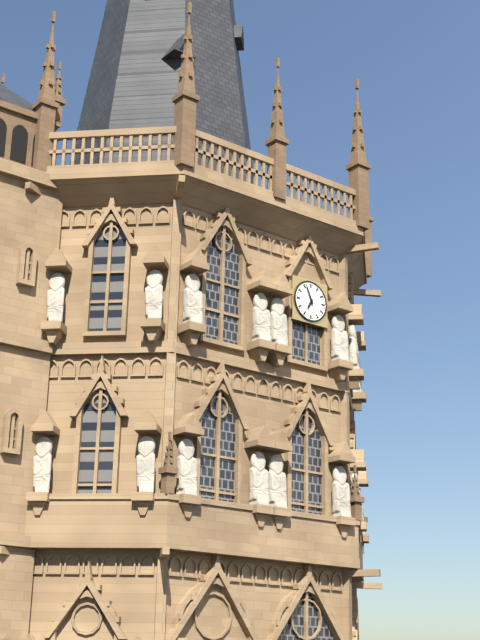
6 h 56 min
